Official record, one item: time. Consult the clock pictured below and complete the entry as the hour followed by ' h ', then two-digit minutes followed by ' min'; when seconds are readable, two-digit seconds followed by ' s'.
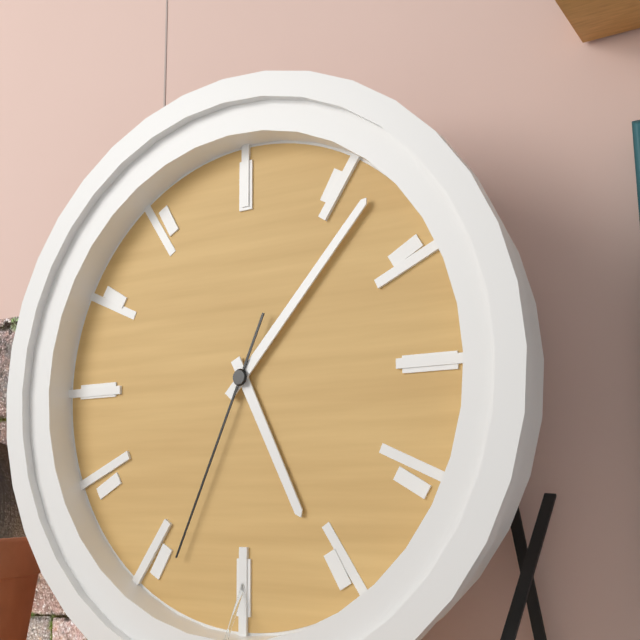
5 h 07 min 34 s
